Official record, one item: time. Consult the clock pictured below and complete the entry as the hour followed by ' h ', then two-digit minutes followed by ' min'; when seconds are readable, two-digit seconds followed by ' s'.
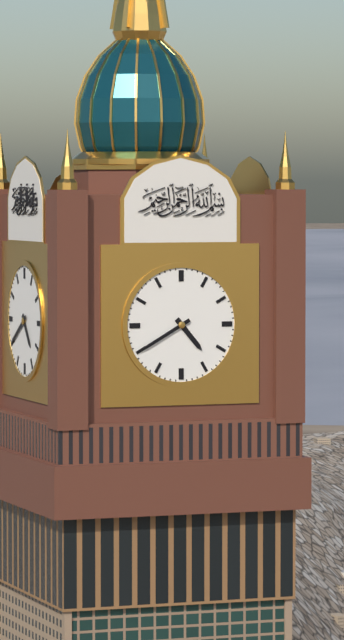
4 h 40 min
